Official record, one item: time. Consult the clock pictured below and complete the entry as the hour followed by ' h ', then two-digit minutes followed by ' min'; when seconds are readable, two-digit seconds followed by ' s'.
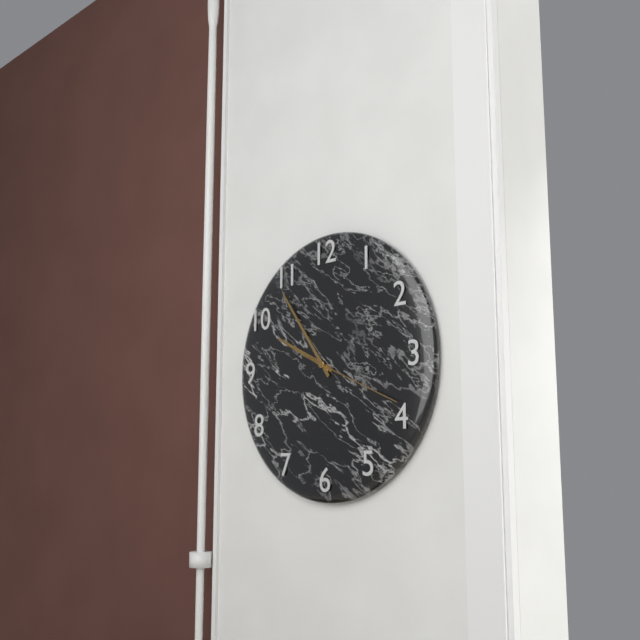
9 h 54 min 19 s
